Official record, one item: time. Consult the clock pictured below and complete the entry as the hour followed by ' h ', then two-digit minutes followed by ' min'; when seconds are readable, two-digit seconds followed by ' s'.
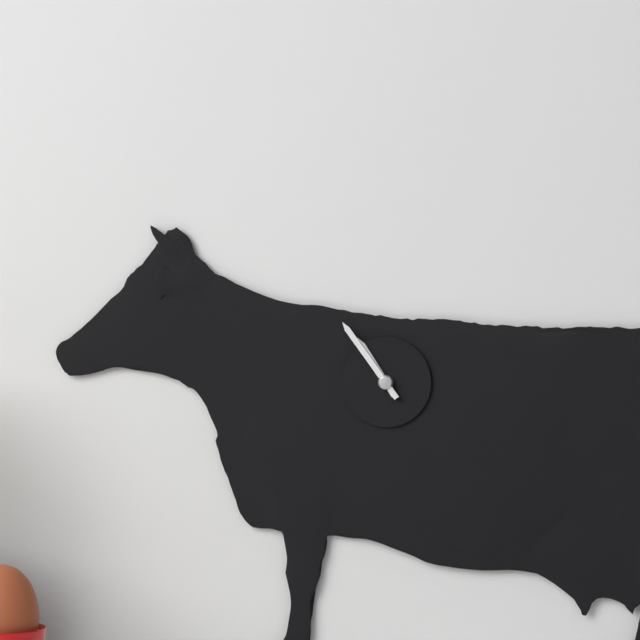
10 h 54 min
